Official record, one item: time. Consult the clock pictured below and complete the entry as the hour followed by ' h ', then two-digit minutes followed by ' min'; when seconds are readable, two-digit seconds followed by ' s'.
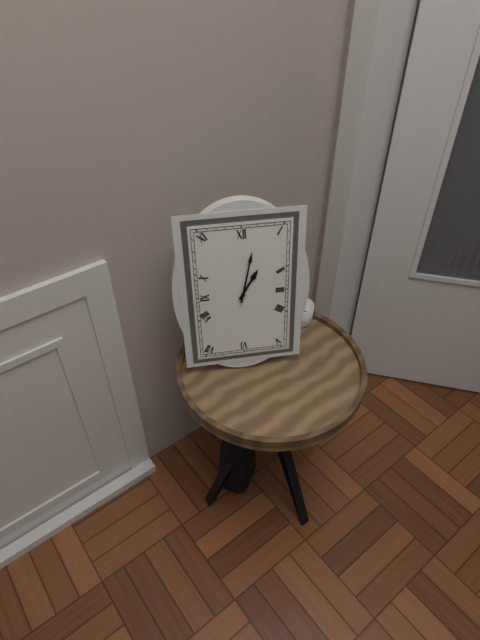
1 h 02 min
